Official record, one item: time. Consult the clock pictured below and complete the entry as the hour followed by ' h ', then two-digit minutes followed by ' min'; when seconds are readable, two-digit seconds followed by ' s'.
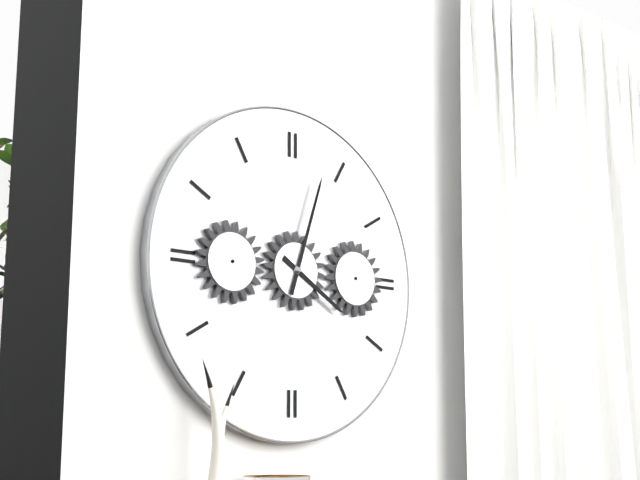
4 h 03 min
